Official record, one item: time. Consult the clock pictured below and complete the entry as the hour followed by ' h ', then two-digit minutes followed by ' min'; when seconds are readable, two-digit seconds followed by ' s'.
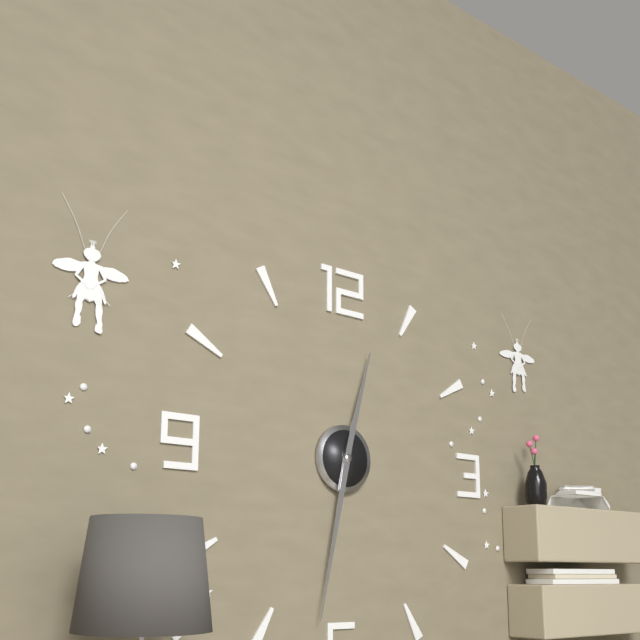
12 h 32 min
